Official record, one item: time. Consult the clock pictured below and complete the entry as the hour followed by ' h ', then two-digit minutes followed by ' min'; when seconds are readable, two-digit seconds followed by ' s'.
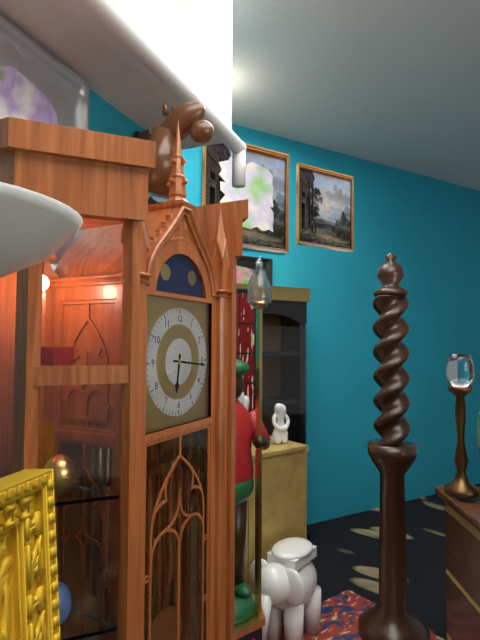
6 h 16 min
